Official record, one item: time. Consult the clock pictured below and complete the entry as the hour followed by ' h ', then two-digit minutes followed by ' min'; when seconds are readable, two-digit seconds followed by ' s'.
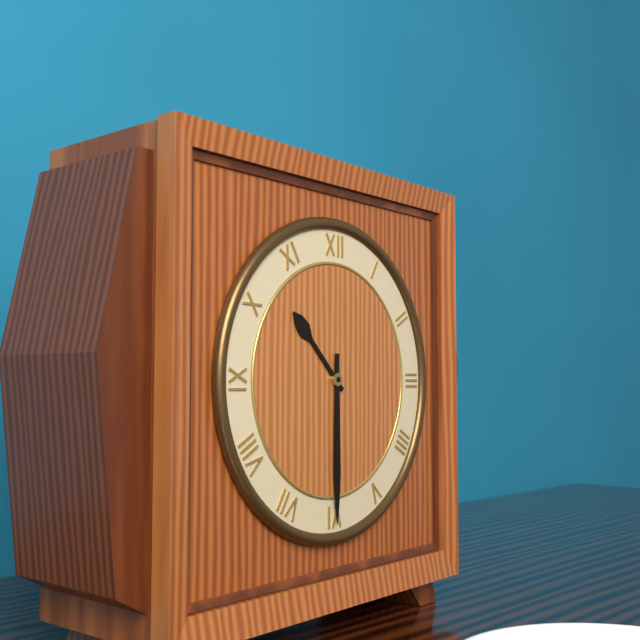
10 h 30 min
